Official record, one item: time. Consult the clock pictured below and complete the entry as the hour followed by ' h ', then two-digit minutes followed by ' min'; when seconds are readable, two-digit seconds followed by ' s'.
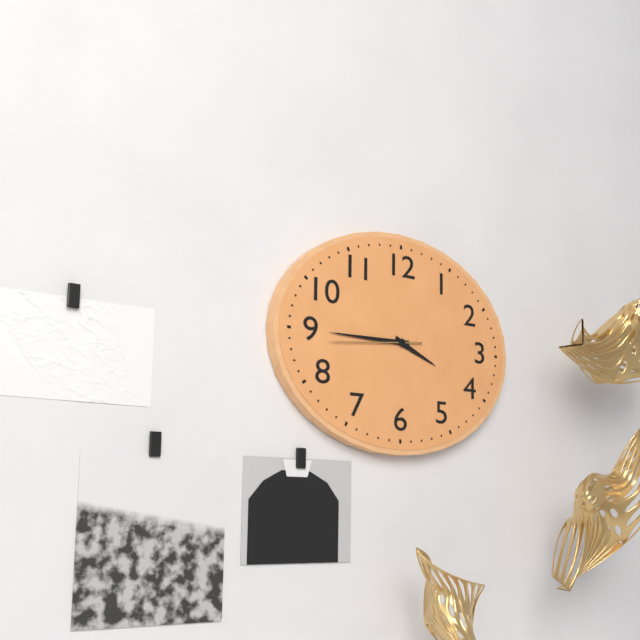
3 h 45 min 44 s
